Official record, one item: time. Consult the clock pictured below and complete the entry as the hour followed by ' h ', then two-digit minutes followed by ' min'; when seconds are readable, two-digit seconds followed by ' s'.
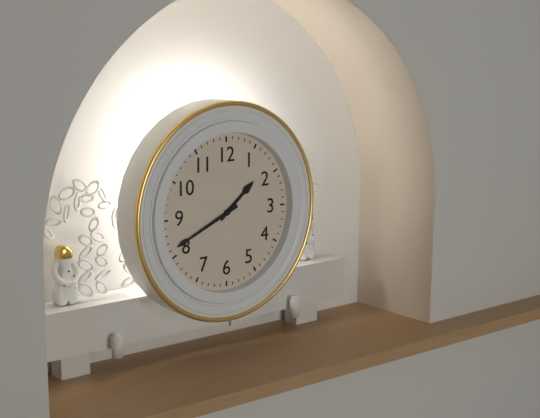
1 h 41 min
